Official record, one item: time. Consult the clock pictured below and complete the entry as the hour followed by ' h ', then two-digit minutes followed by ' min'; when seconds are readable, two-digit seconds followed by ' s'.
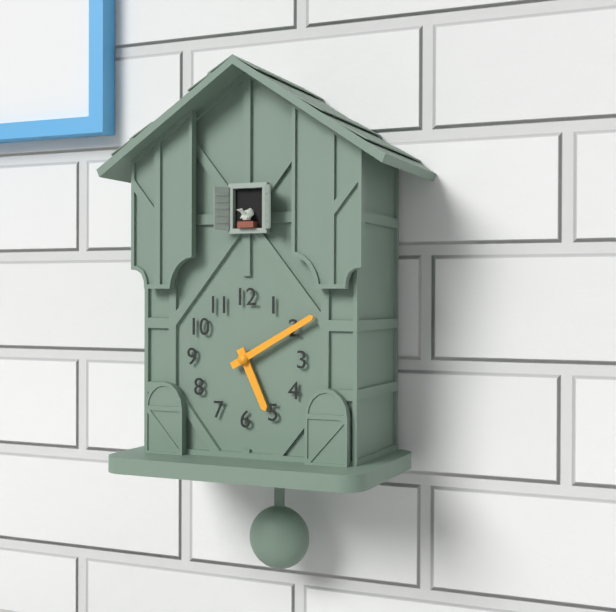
5 h 10 min
